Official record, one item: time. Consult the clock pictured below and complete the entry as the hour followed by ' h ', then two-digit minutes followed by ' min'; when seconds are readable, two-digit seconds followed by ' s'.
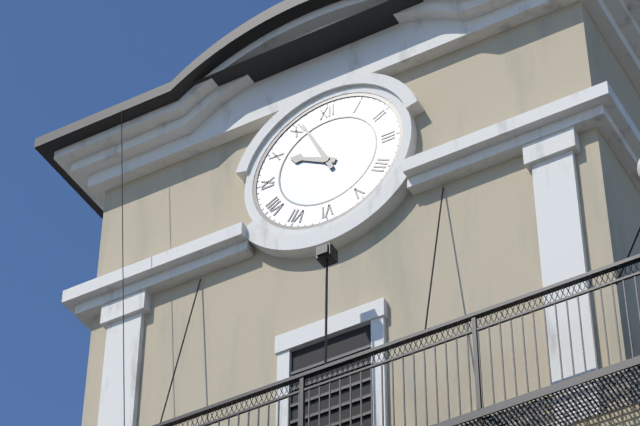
9 h 56 min
